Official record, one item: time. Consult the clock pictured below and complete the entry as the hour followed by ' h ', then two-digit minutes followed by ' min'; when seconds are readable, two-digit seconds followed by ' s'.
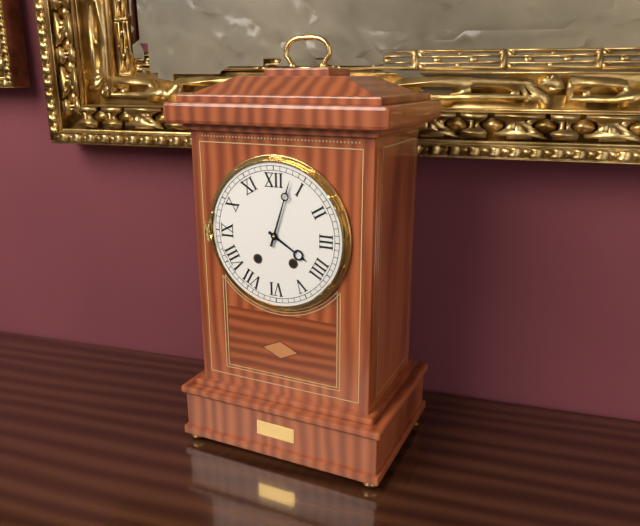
4 h 03 min
